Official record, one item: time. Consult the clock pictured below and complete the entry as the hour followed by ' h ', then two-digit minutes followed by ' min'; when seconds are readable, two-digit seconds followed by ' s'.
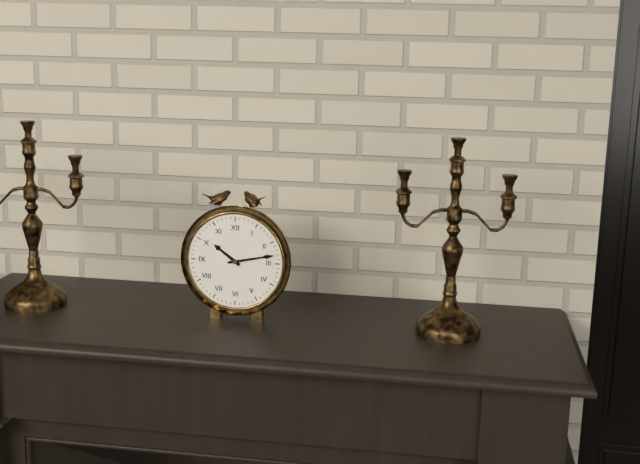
10 h 13 min
